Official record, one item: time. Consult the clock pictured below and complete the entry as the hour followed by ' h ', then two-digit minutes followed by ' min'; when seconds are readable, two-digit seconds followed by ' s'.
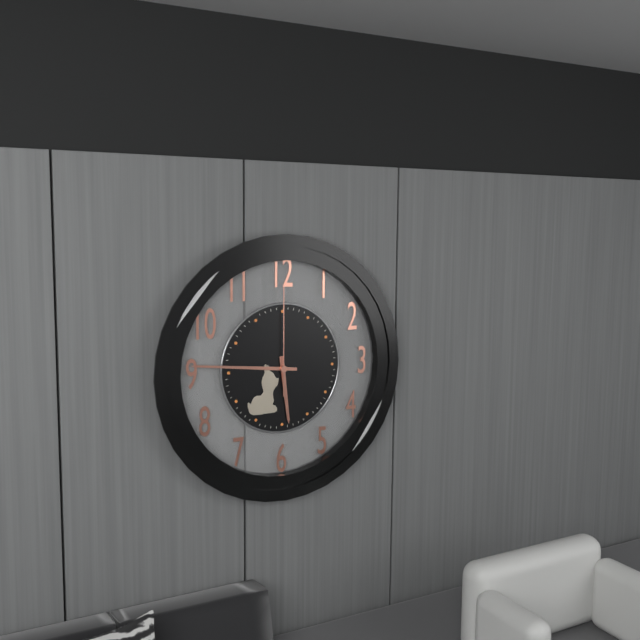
5 h 46 min 00 s
